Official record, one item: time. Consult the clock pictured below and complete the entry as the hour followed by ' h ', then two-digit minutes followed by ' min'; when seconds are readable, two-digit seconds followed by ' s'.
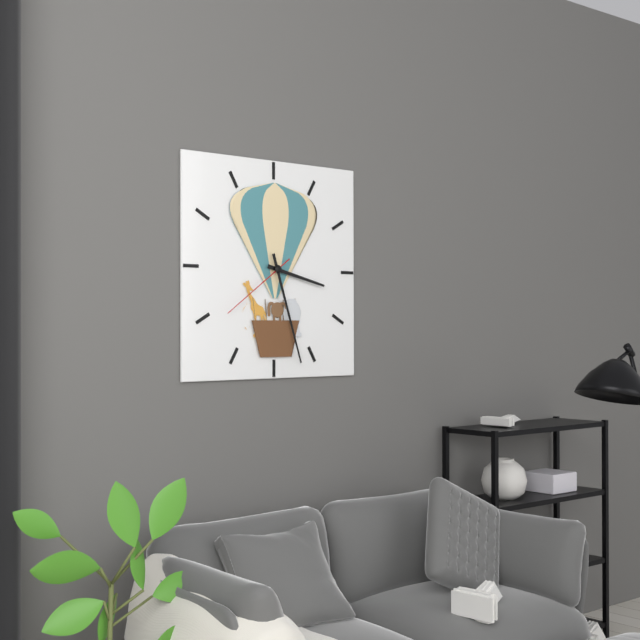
3 h 27 min 39 s
